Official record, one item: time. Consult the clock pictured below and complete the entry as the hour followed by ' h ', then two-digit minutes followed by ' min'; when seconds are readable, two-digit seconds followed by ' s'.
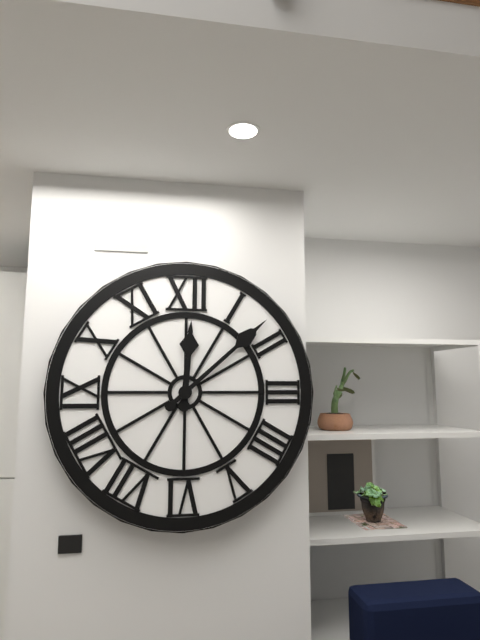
12 h 08 min
